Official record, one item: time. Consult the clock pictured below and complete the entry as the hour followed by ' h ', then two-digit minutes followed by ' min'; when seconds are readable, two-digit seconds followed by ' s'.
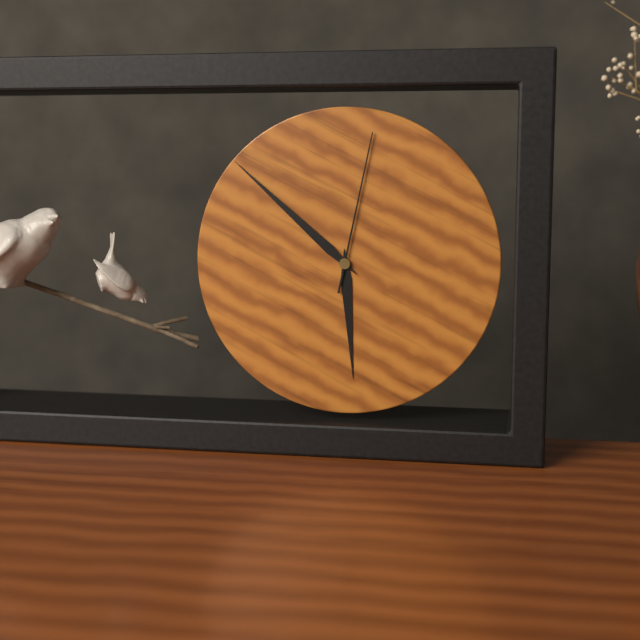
5 h 52 min 02 s
